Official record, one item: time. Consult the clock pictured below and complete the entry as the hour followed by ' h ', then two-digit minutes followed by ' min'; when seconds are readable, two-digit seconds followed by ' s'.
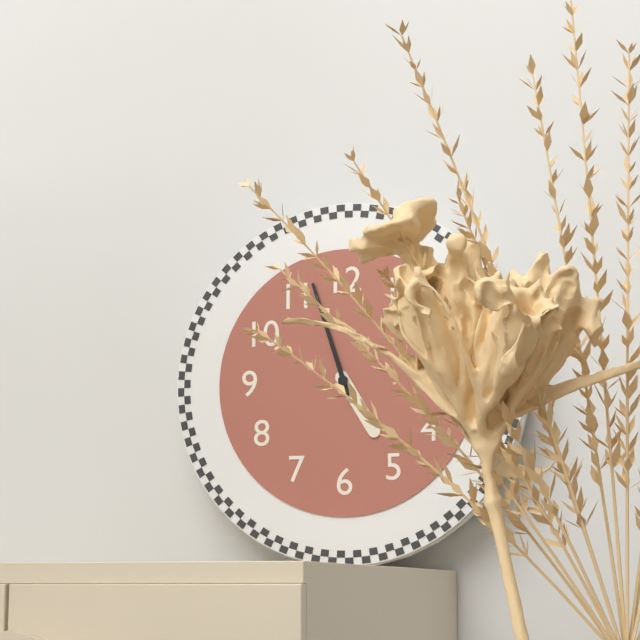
4 h 57 min
